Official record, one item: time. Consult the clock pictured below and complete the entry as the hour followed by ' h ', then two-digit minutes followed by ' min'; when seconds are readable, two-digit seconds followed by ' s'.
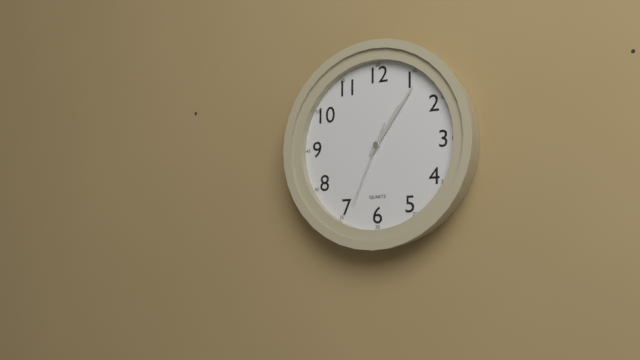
1 h 06 min 34 s
